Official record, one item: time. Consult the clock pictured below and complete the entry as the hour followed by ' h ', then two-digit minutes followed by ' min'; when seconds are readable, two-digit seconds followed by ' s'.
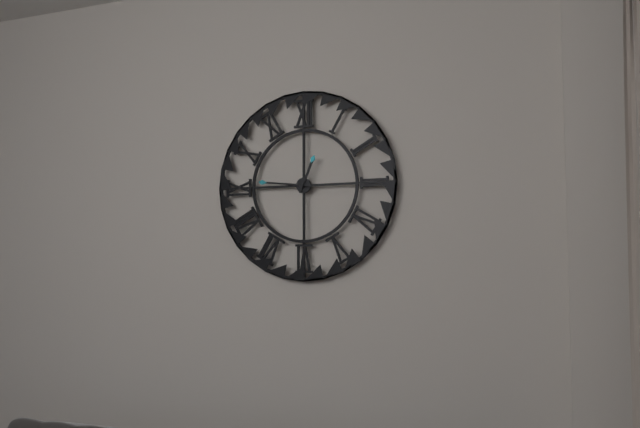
12 h 46 min
